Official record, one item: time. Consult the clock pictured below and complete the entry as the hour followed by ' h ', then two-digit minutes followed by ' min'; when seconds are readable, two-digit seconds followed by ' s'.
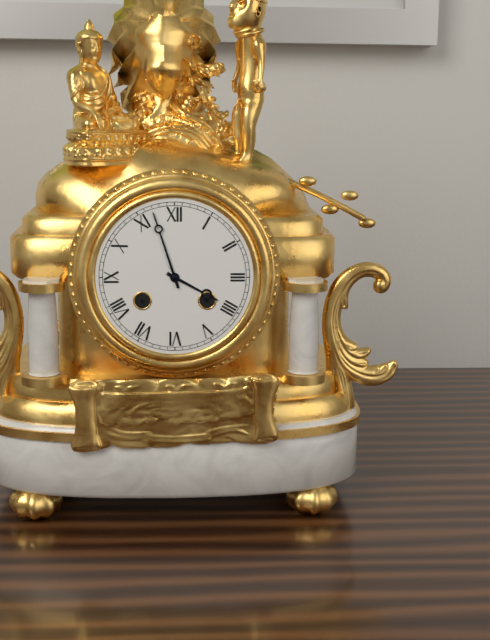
3 h 57 min
